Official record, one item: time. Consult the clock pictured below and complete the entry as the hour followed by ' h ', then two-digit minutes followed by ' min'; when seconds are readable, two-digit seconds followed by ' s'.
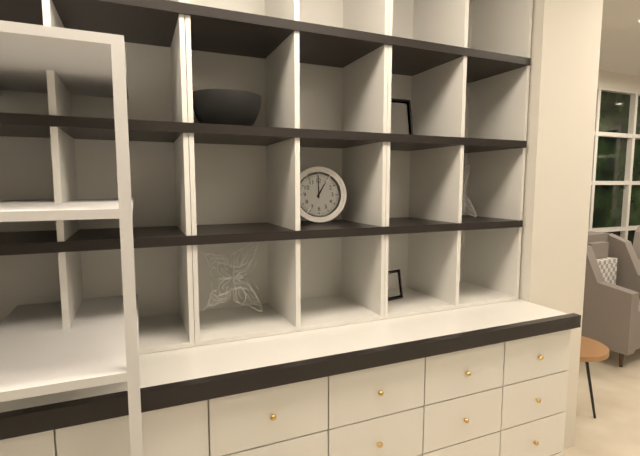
1 h 00 min
